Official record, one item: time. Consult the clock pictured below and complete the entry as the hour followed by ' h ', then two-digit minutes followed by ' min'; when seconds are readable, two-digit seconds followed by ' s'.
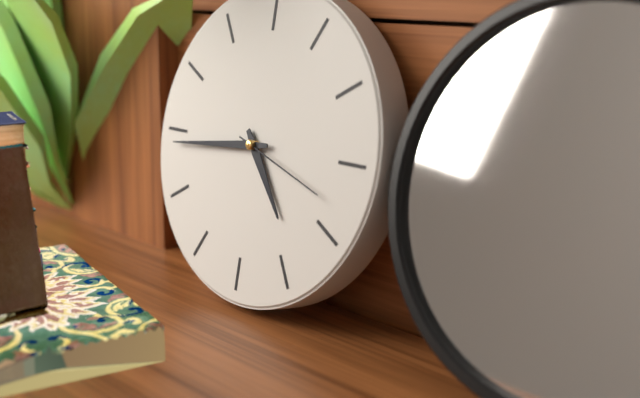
4 h 44 min 18 s
